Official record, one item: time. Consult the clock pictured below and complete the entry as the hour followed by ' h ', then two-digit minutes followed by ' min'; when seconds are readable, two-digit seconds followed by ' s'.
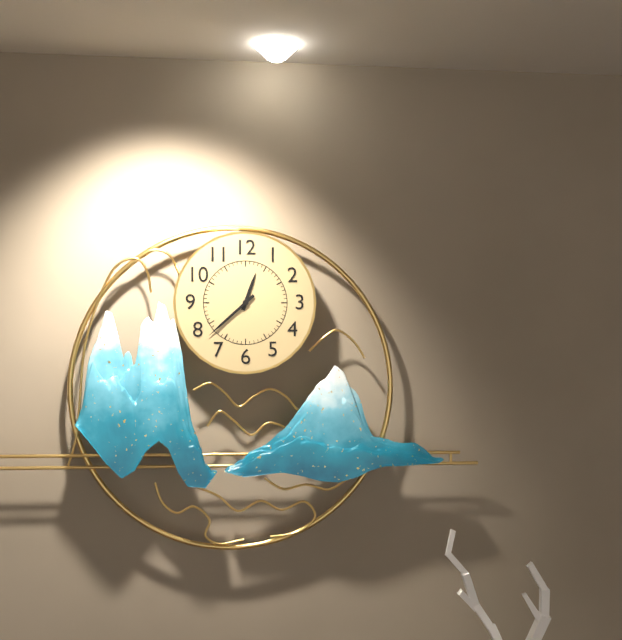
12 h 38 min
